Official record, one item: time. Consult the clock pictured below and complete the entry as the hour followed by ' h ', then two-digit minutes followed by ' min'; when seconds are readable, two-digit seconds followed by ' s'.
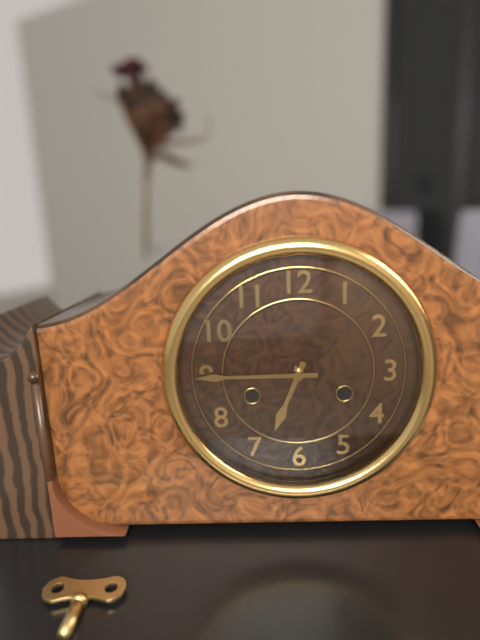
6 h 45 min
